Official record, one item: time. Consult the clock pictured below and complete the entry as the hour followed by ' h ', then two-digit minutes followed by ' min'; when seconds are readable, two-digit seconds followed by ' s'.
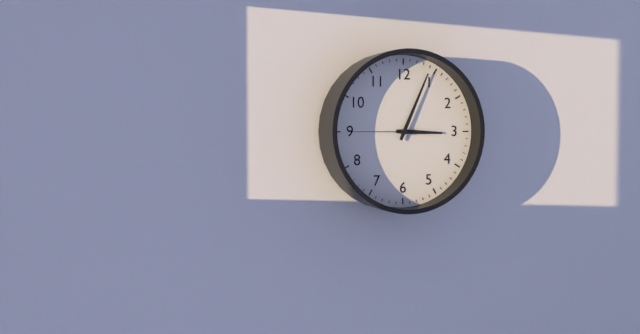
3 h 04 min 45 s
